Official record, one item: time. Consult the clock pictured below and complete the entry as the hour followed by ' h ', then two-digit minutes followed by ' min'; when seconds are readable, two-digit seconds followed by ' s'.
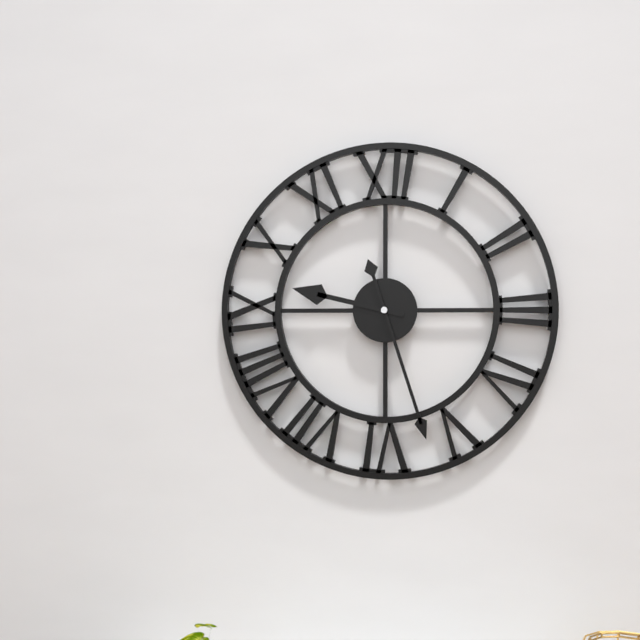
9 h 27 min
